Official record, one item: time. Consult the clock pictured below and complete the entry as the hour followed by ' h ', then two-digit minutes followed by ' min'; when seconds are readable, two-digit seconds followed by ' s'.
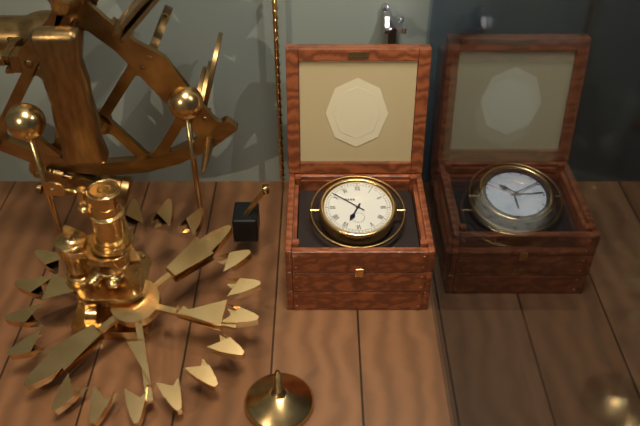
6 h 51 min
